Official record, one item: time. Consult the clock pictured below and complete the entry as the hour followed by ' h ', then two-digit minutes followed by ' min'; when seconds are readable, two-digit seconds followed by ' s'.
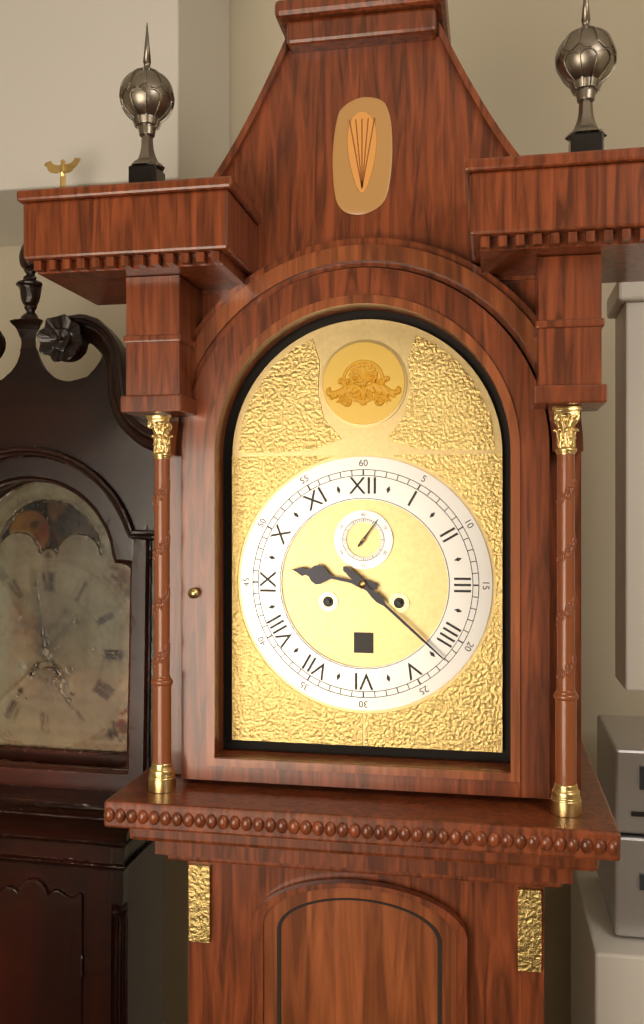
9 h 22 min
